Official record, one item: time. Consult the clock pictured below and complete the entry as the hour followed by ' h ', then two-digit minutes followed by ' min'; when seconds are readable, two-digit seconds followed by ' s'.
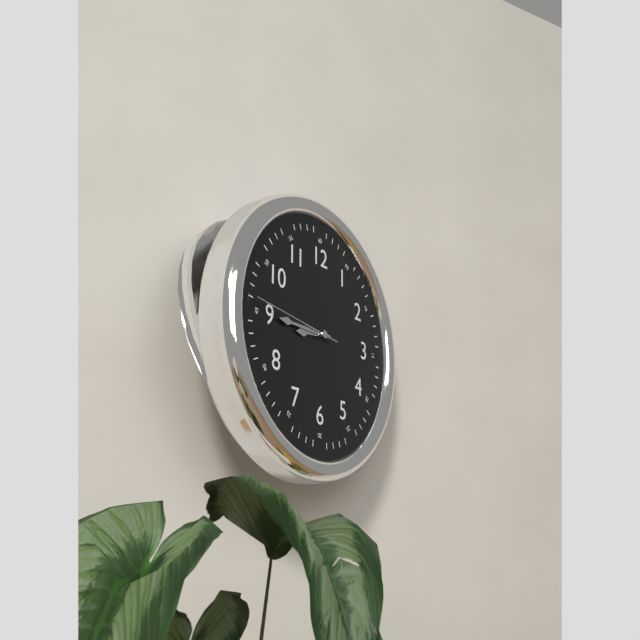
8 h 45 min 46 s
